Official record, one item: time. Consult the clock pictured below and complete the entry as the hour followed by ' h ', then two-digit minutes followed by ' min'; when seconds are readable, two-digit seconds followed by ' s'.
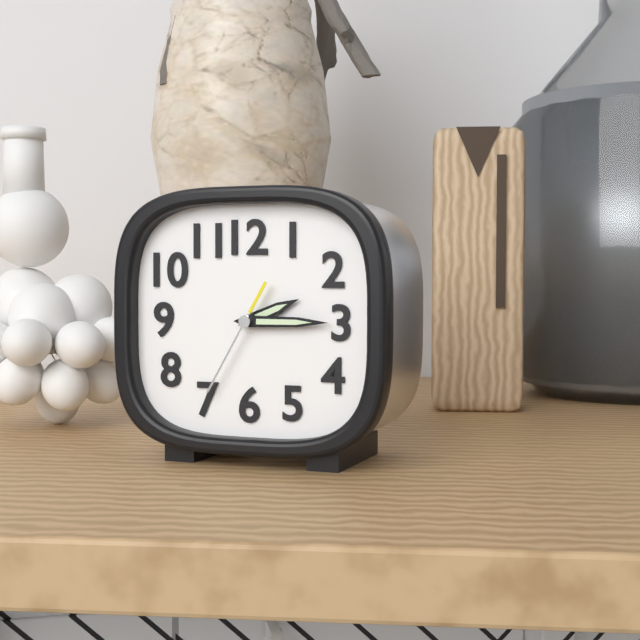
2 h 15 min 35 s
